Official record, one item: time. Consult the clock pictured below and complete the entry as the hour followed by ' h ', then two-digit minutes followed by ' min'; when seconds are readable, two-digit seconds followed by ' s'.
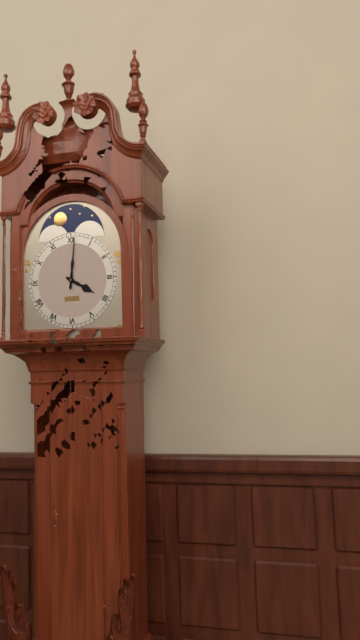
4 h 01 min
